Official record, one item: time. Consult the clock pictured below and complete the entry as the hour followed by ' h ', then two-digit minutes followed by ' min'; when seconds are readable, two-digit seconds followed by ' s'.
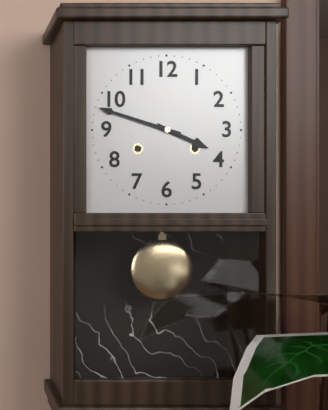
3 h 48 min
